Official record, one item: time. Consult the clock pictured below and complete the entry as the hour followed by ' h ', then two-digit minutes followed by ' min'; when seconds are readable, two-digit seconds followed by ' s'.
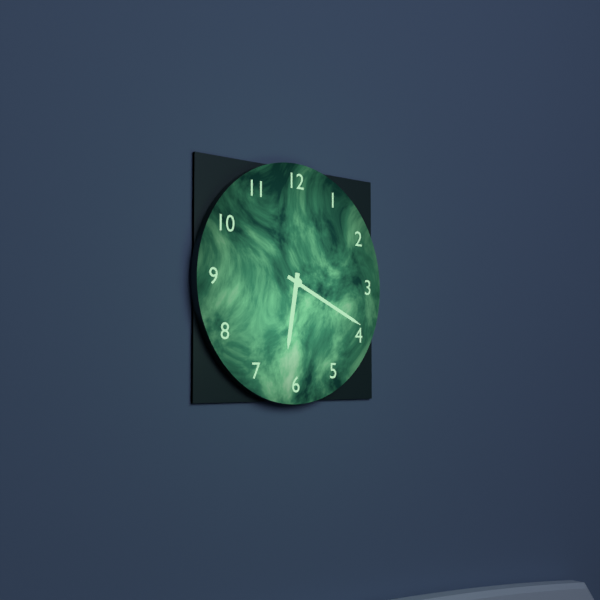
6 h 19 min
